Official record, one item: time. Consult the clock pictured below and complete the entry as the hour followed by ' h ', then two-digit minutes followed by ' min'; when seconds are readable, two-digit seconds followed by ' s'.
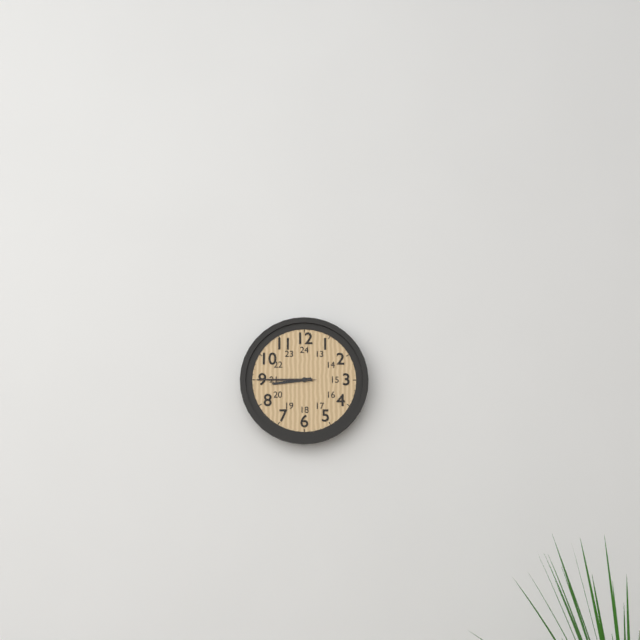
8 h 45 min 45 s
